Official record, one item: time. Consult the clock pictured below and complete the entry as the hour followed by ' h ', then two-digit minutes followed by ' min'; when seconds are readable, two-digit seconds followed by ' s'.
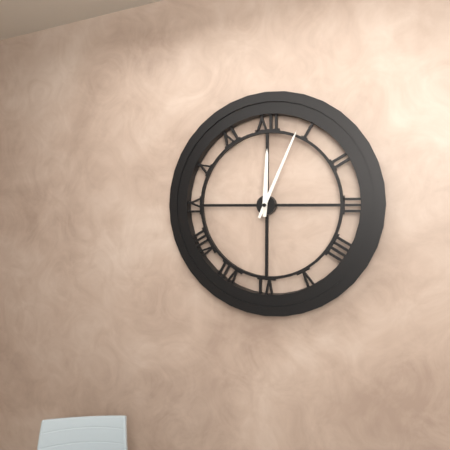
12 h 04 min
